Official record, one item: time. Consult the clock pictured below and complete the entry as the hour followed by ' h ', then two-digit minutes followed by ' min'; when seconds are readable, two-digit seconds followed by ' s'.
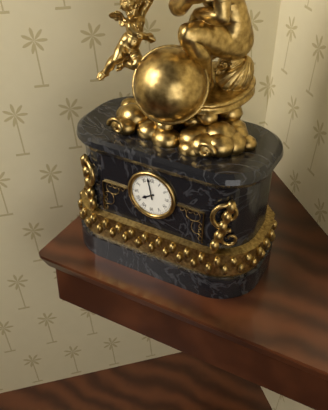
7 h 58 min
